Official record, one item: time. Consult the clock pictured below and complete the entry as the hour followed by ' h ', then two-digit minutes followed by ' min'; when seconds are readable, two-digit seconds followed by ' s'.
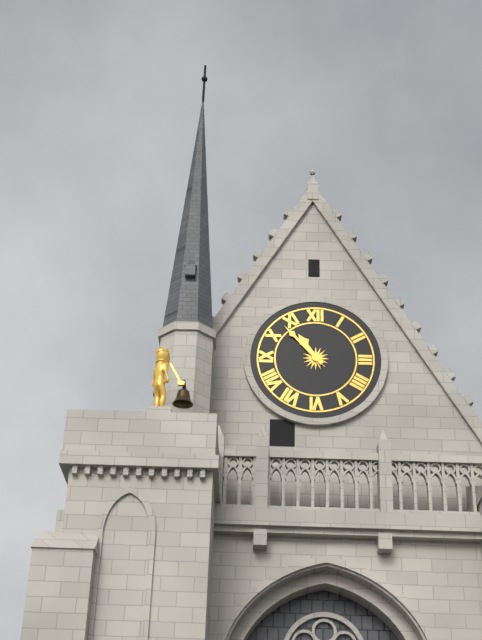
10 h 53 min
